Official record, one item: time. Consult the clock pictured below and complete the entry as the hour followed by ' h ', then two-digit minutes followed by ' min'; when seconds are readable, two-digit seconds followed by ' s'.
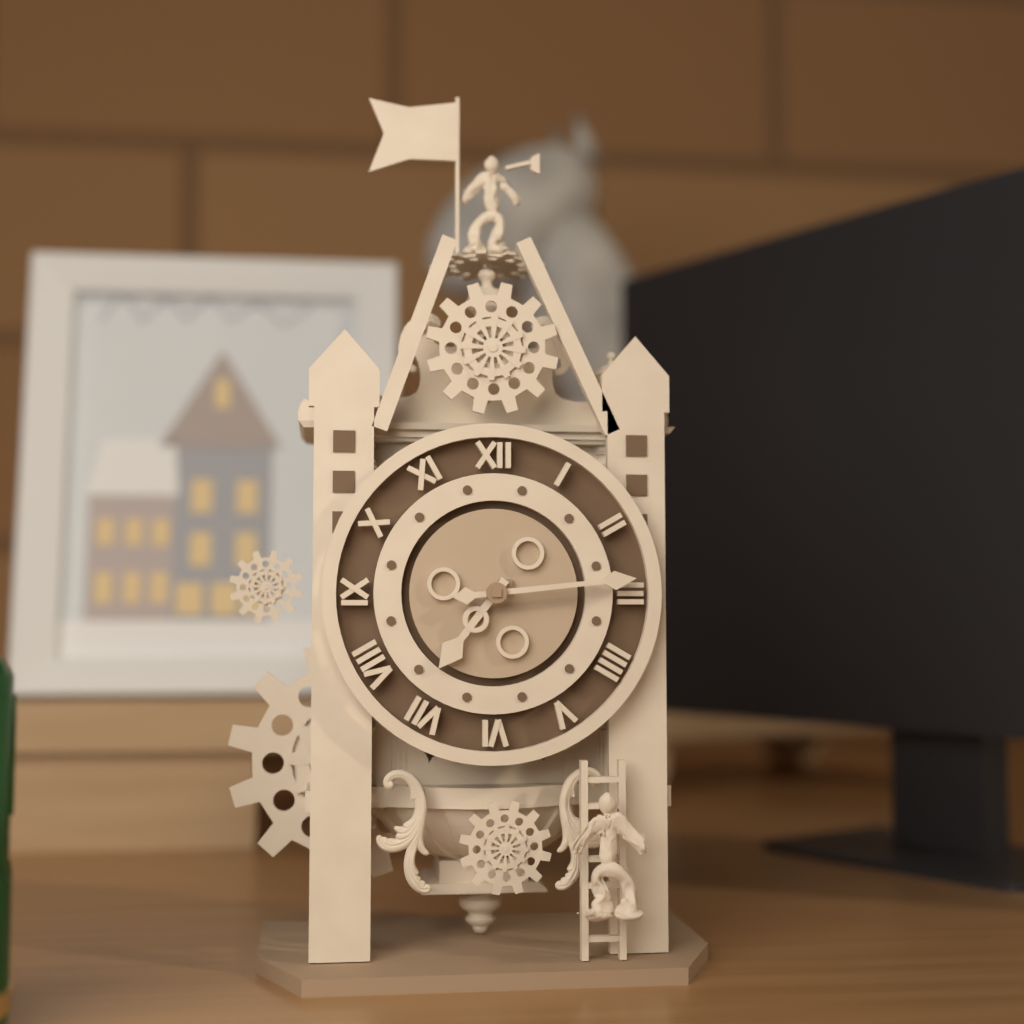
7 h 14 min
